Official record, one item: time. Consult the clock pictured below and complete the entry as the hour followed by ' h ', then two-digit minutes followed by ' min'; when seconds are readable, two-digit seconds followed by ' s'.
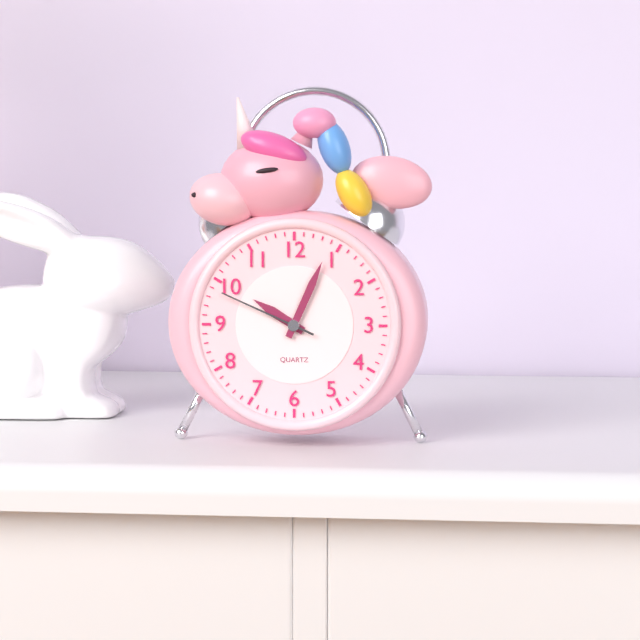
10 h 04 min 49 s
